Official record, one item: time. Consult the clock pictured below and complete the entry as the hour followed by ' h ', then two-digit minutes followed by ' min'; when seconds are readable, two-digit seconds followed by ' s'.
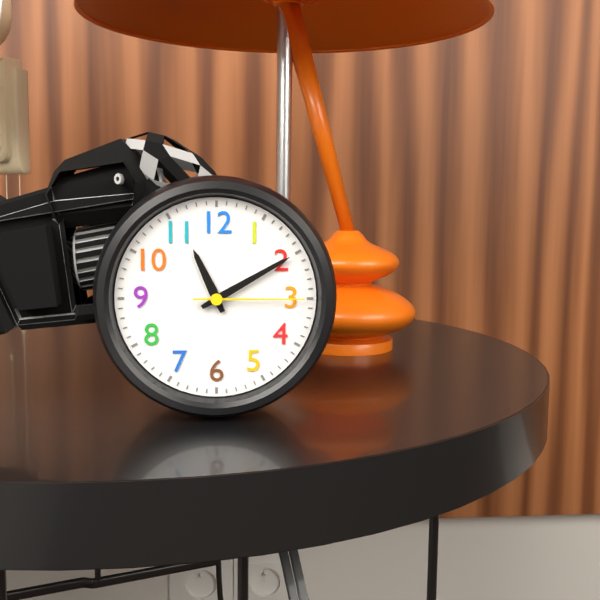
11 h 10 min 15 s
